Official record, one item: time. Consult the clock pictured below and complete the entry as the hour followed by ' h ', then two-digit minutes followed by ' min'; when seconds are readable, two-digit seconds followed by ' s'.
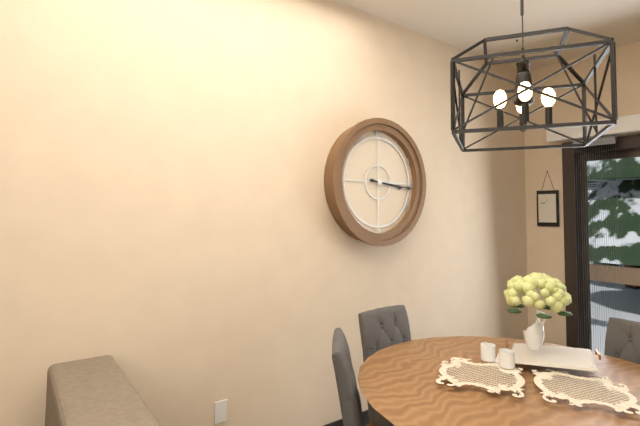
3 h 16 min
